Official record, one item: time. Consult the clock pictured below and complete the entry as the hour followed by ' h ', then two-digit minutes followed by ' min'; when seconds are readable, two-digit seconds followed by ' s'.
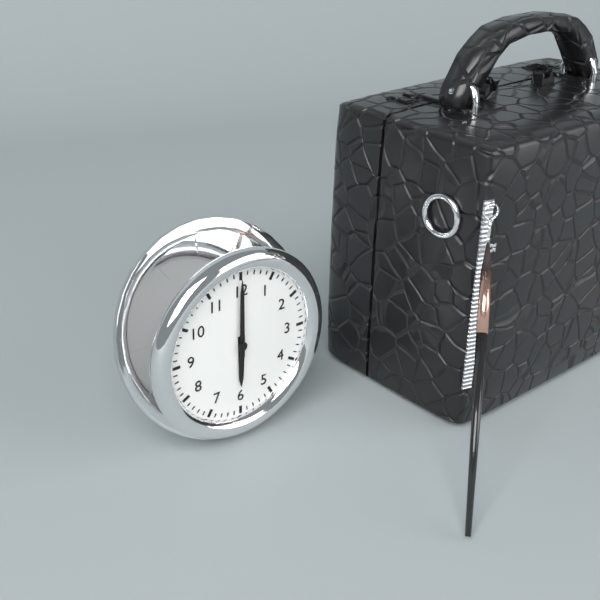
6 h 00 min
